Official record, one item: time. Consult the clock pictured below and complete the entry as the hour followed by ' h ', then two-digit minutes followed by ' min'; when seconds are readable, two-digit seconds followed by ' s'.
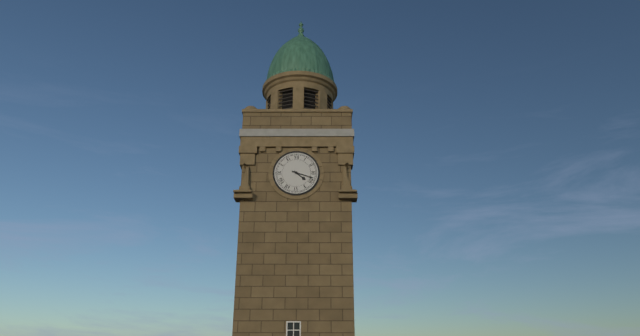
4 h 18 min
